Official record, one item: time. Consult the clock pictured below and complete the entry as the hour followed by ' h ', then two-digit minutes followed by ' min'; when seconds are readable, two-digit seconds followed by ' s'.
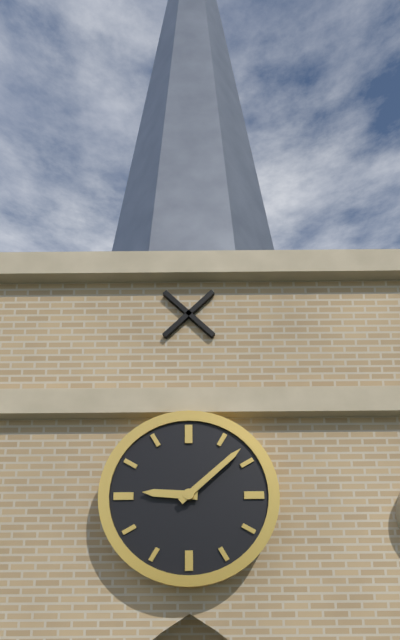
9 h 08 min
